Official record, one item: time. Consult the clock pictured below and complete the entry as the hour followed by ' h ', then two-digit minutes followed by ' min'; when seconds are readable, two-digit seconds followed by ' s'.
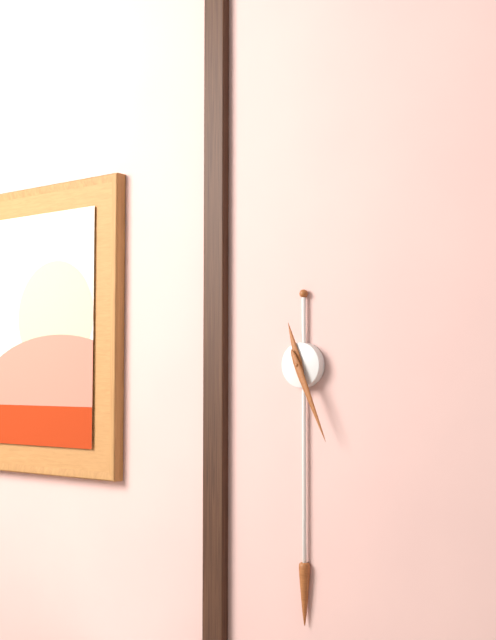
11 h 26 min
